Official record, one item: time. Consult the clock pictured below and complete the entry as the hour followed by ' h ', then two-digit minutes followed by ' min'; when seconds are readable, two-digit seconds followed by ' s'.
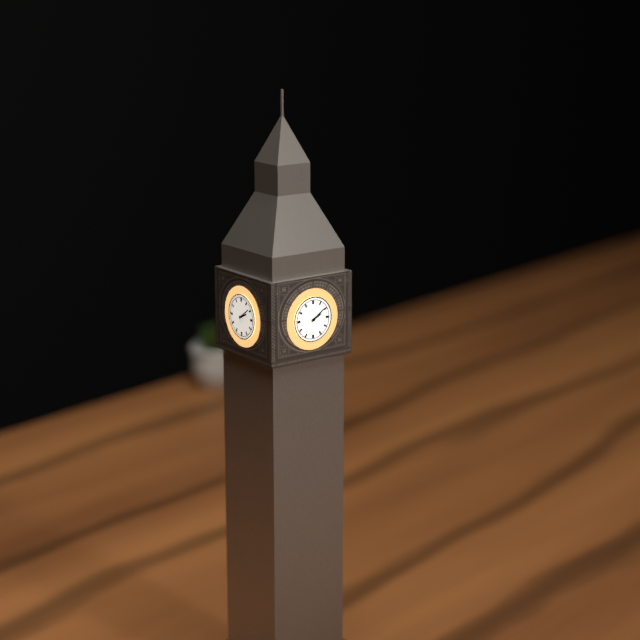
2 h 09 min
